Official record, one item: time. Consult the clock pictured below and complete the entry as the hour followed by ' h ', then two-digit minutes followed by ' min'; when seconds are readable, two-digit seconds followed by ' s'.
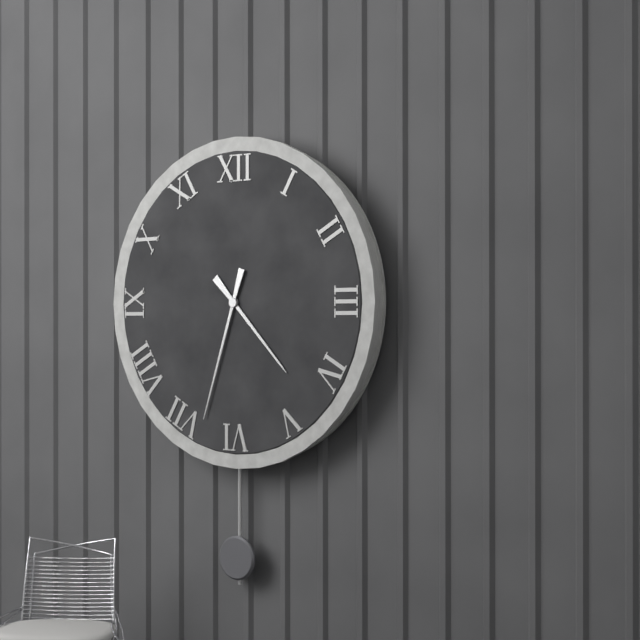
4 h 33 min
